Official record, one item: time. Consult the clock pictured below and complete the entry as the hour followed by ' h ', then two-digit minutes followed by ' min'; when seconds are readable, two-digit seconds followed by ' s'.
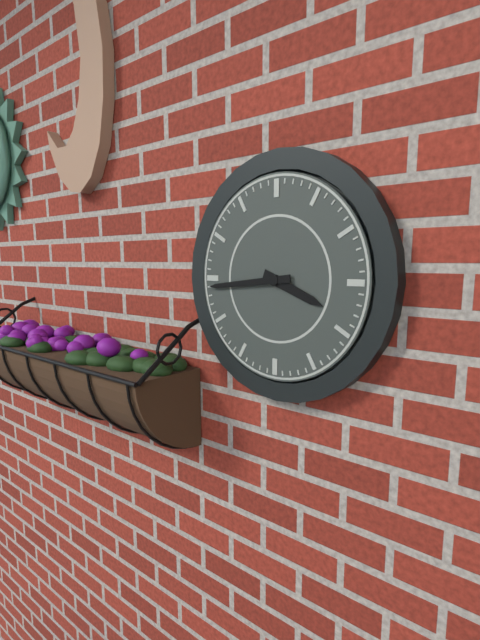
3 h 44 min
